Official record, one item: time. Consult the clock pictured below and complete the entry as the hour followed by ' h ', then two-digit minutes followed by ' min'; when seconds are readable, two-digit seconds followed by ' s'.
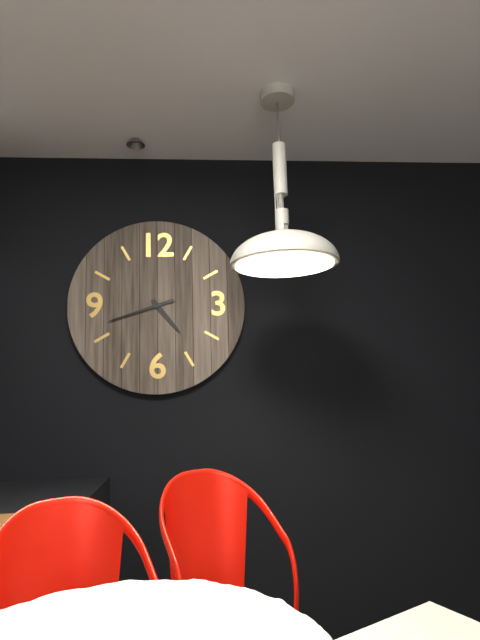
4 h 42 min
